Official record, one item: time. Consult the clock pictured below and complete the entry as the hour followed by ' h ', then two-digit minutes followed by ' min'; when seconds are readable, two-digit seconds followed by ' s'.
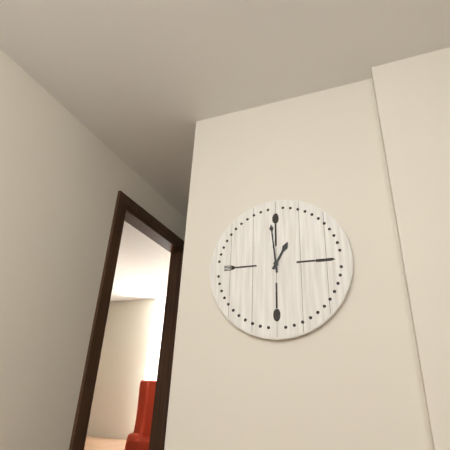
12 h 59 min
